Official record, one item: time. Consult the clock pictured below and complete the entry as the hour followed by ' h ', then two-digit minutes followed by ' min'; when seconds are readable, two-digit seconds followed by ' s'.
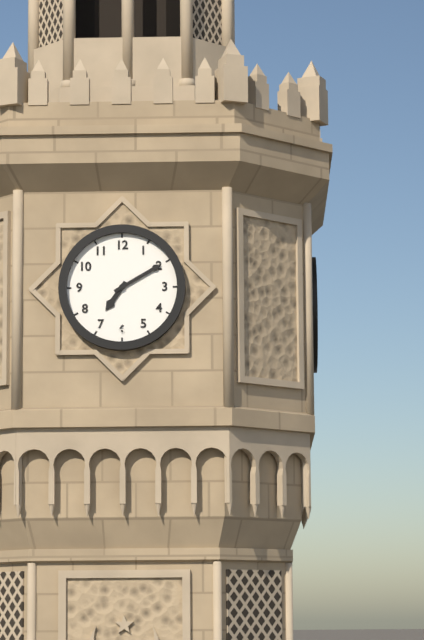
7 h 10 min
